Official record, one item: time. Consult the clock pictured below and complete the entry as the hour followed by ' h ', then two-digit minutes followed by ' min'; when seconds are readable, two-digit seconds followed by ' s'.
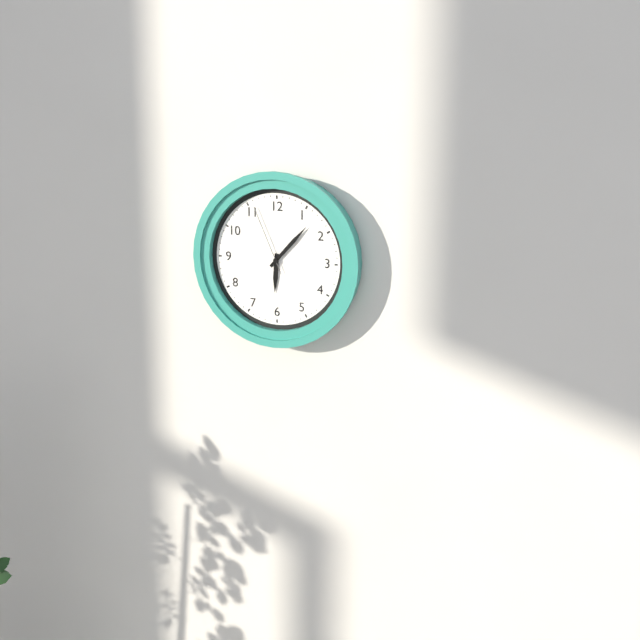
6 h 07 min 56 s
